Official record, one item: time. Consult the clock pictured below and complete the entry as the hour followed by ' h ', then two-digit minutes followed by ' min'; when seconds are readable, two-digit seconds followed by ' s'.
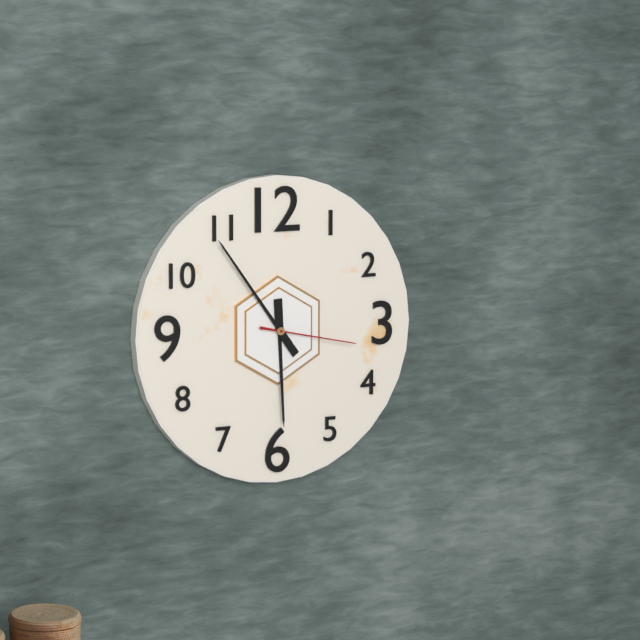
5 h 54 min 17 s
